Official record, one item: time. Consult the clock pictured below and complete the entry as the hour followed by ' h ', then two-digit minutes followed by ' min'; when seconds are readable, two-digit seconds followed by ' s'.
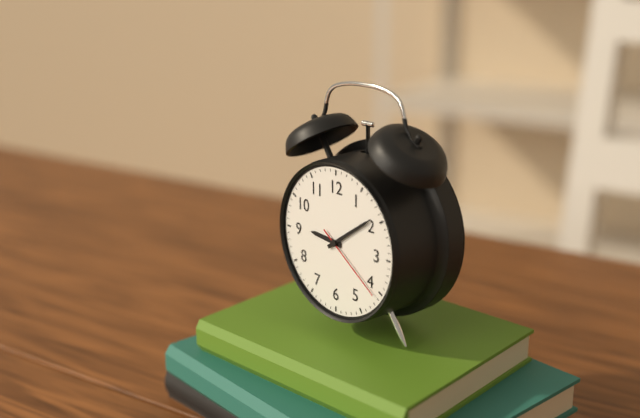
9 h 09 min 21 s
